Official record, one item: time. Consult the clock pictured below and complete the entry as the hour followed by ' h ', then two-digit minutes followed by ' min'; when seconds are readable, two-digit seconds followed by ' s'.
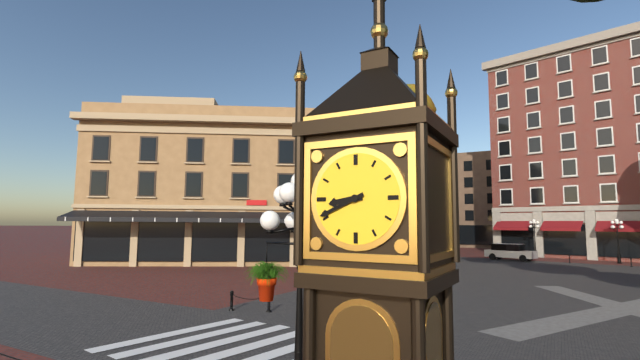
8 h 41 min
